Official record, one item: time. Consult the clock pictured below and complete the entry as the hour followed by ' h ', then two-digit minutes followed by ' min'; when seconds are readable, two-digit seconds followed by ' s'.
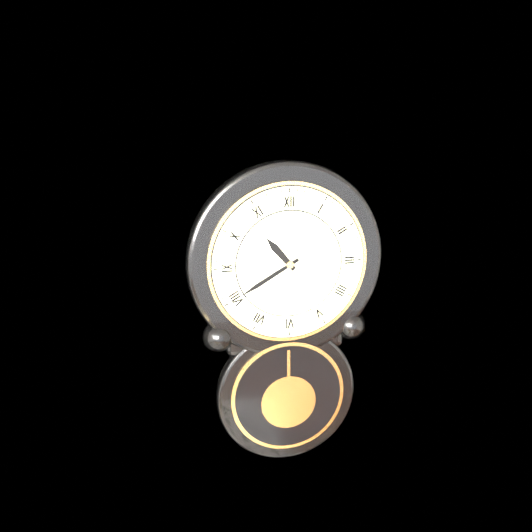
10 h 40 min
